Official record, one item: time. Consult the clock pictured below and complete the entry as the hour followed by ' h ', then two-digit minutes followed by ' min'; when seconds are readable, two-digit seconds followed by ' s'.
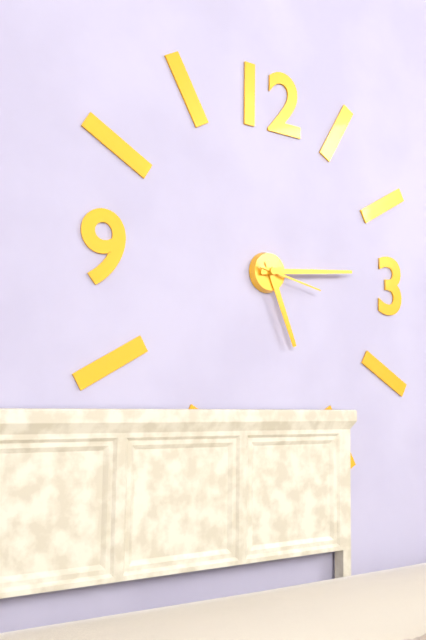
5 h 14 min 17 s
